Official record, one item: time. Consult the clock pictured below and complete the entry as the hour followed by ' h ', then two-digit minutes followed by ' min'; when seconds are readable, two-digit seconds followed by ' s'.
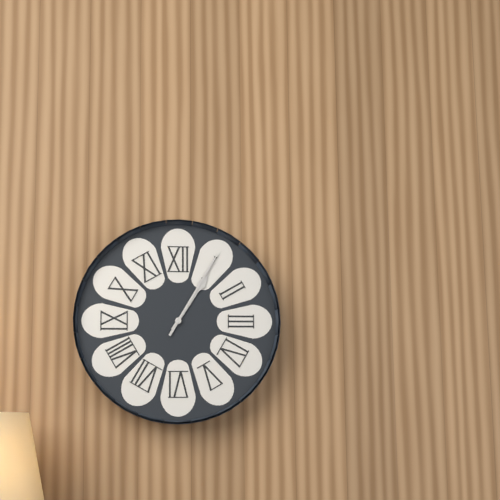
1 h 05 min
